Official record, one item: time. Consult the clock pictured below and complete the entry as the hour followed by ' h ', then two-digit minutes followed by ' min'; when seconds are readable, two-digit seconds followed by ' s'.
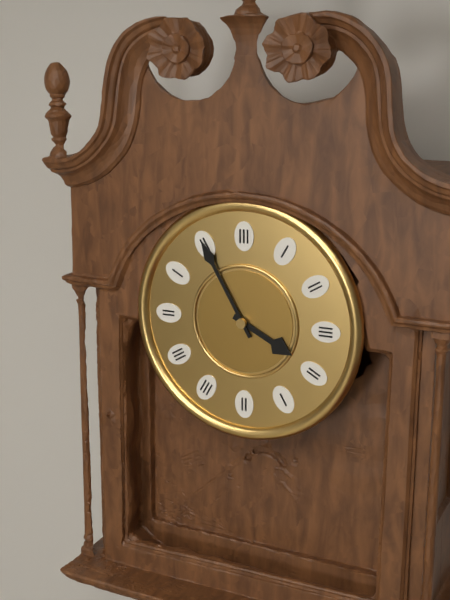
3 h 55 min
